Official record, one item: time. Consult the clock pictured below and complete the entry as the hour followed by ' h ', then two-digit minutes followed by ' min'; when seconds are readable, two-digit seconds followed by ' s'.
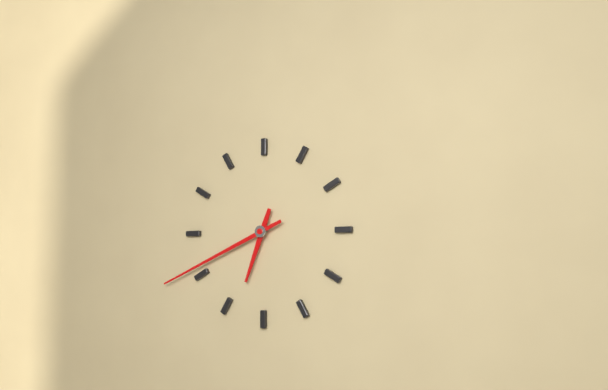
6 h 41 min
